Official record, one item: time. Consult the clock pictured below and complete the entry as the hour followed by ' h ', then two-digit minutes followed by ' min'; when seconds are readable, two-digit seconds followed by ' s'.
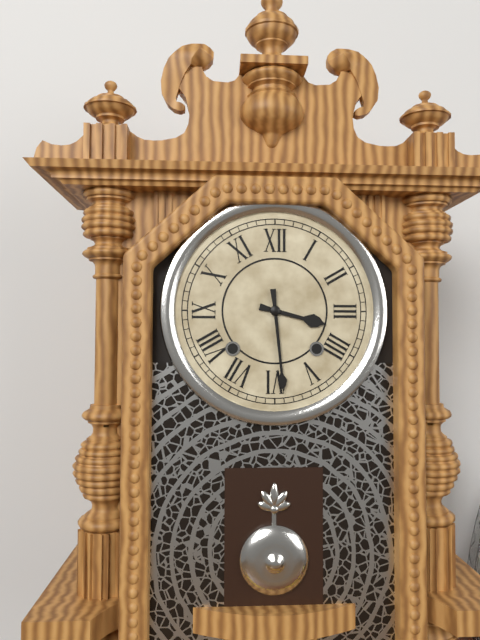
3 h 29 min
